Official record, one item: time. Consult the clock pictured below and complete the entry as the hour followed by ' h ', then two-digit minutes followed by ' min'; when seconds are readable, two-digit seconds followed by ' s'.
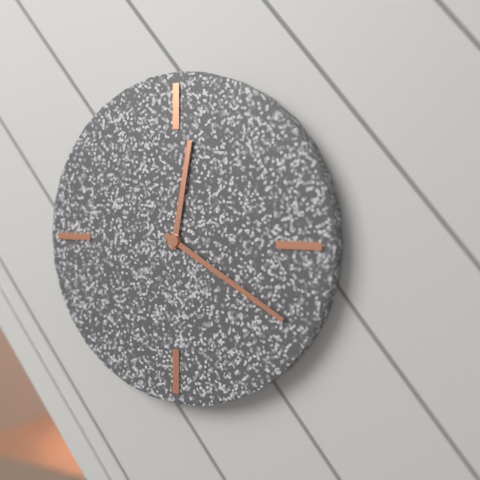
12 h 20 min
